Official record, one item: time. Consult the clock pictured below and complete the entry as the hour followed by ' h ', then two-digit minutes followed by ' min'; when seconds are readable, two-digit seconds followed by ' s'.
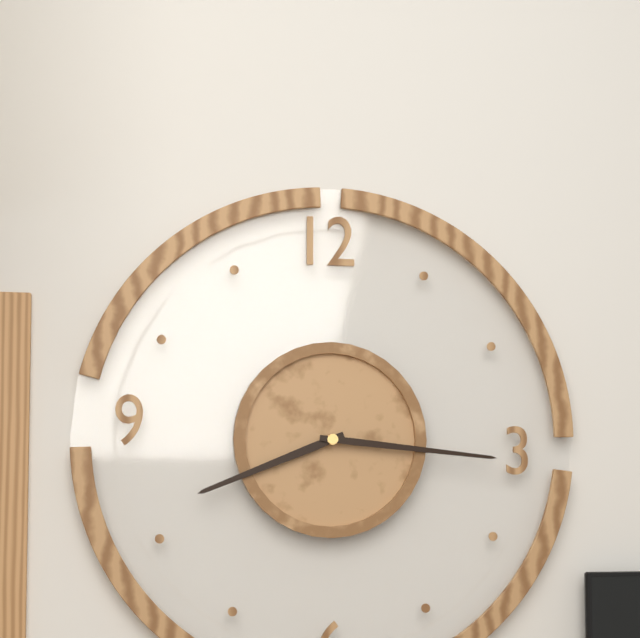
8 h 16 min
